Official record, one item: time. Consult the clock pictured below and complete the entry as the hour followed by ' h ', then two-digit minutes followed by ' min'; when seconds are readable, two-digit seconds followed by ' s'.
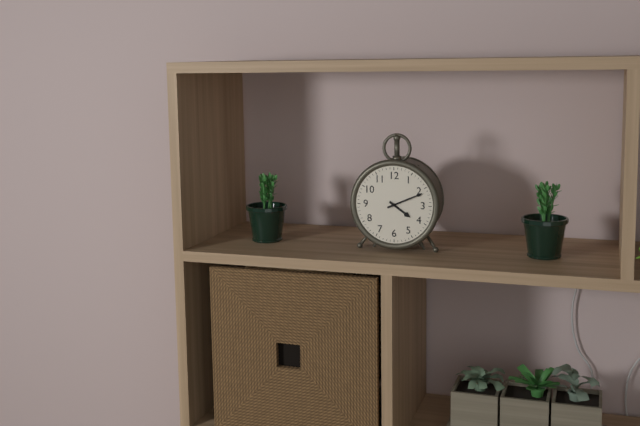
4 h 11 min
